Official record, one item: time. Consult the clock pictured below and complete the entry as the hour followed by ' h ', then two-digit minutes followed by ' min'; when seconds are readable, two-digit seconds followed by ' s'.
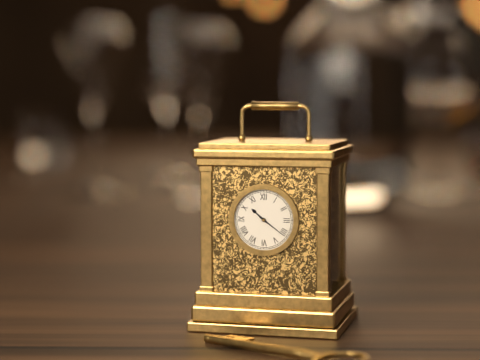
10 h 21 min
